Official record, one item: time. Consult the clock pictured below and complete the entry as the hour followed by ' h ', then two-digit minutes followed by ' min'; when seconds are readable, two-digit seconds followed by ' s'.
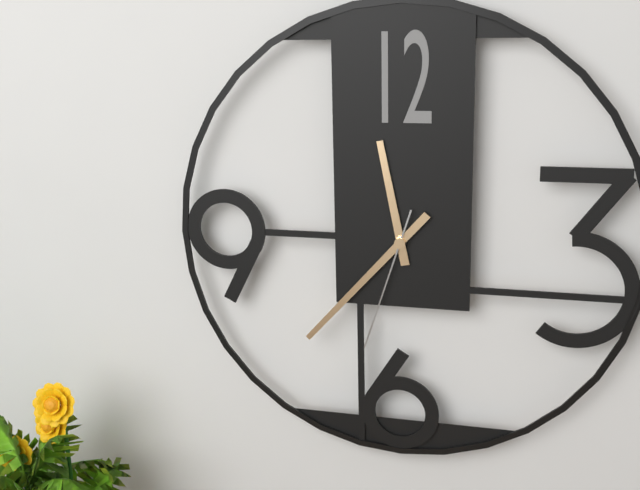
11 h 37 min 33 s
